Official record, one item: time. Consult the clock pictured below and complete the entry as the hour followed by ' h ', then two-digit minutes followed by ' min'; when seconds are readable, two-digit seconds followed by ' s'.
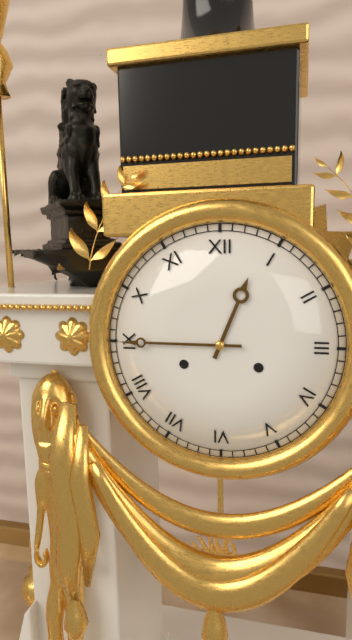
12 h 45 min
